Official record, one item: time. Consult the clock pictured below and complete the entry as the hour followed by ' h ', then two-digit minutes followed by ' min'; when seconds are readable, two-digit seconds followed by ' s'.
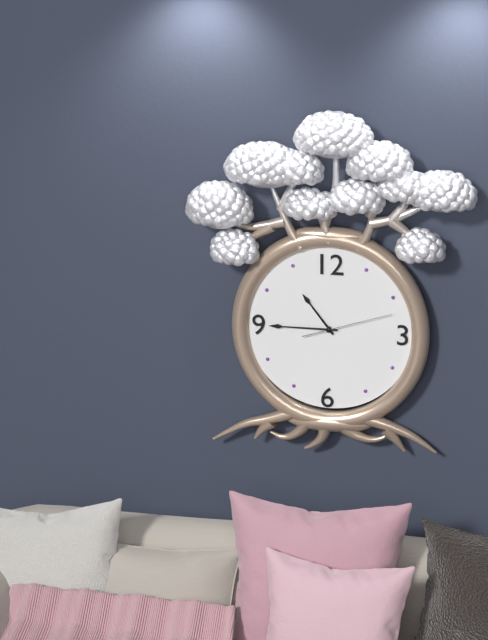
10 h 45 min 12 s
